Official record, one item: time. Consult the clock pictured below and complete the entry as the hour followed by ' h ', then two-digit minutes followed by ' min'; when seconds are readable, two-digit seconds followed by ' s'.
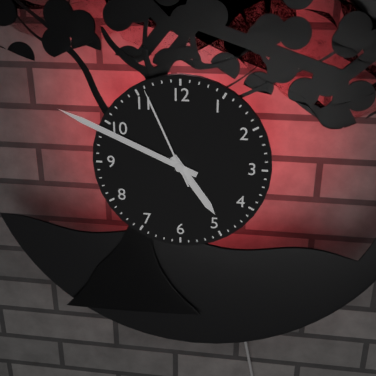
4 h 49 min 56 s
